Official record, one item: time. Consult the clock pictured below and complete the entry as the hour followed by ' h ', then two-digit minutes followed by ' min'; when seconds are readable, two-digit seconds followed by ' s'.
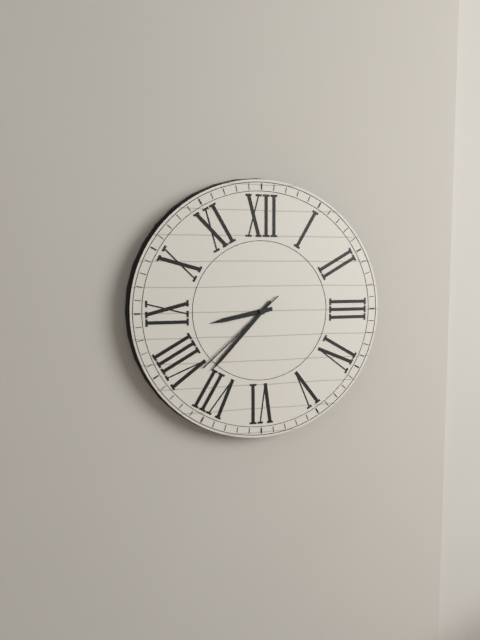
8 h 37 min 38 s
